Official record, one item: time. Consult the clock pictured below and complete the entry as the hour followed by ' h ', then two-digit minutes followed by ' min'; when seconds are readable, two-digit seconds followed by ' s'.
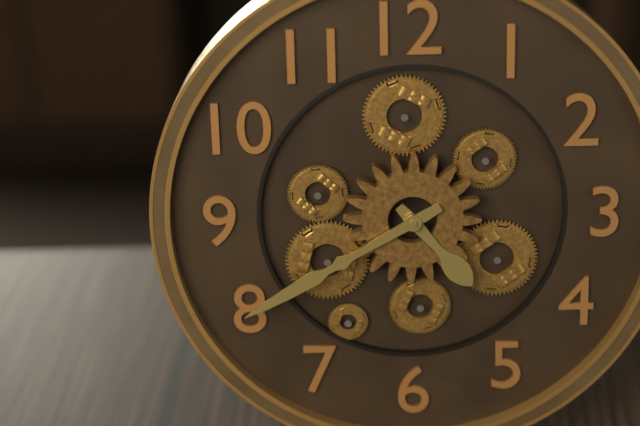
4 h 40 min
